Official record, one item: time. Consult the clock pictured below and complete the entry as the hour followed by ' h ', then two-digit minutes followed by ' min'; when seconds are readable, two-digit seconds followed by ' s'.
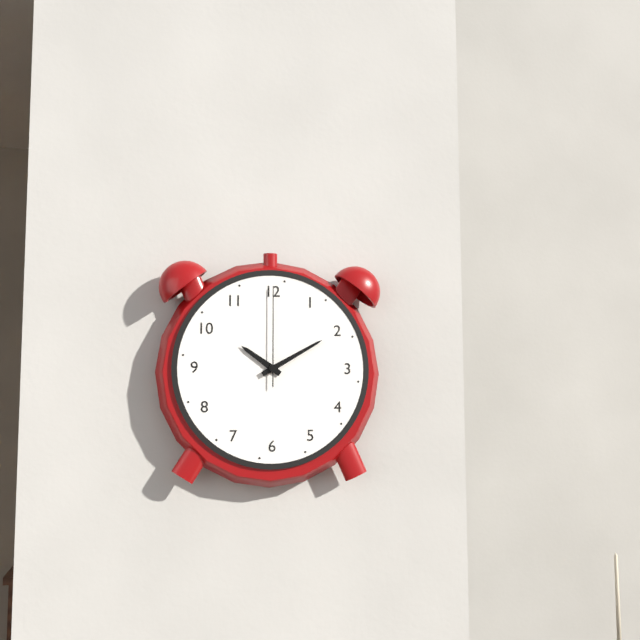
10 h 10 min 00 s
